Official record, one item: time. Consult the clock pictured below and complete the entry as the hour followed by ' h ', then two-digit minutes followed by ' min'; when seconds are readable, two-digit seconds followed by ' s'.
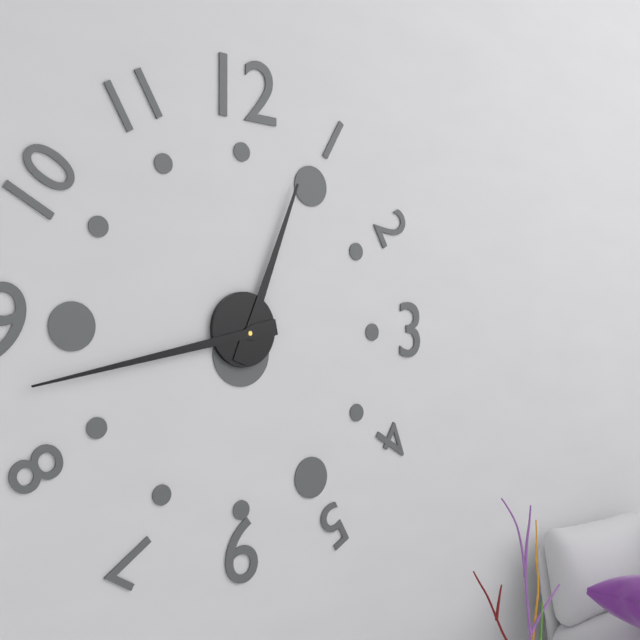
12 h 43 min
